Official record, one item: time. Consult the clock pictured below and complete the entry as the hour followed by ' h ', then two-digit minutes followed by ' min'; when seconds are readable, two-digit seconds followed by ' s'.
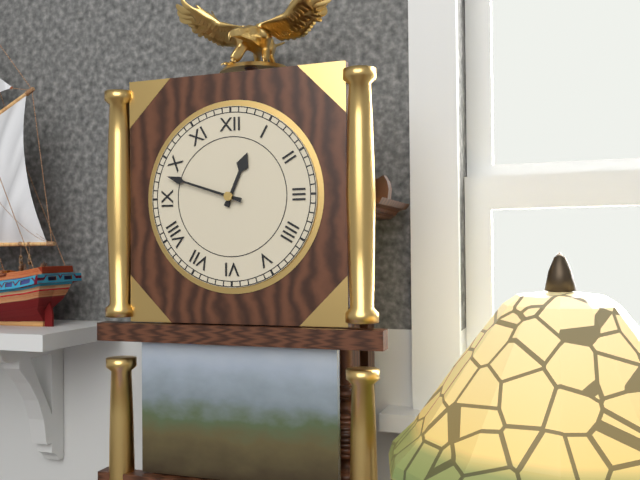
12 h 48 min
